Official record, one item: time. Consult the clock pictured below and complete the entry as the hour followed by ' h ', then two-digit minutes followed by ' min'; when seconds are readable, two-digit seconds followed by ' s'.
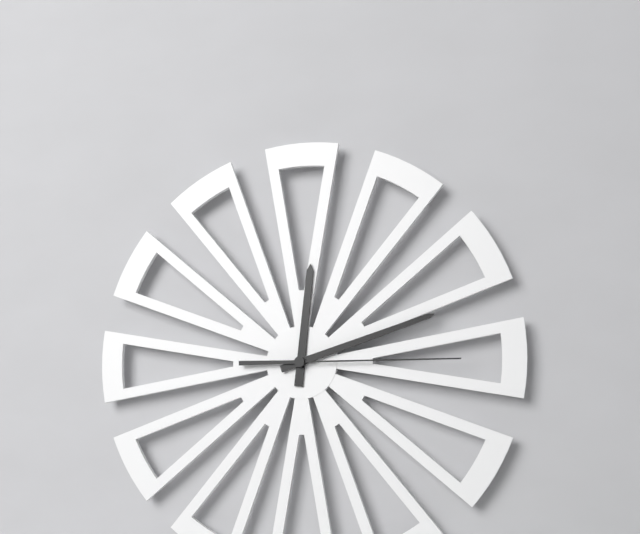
12 h 12 min 15 s
